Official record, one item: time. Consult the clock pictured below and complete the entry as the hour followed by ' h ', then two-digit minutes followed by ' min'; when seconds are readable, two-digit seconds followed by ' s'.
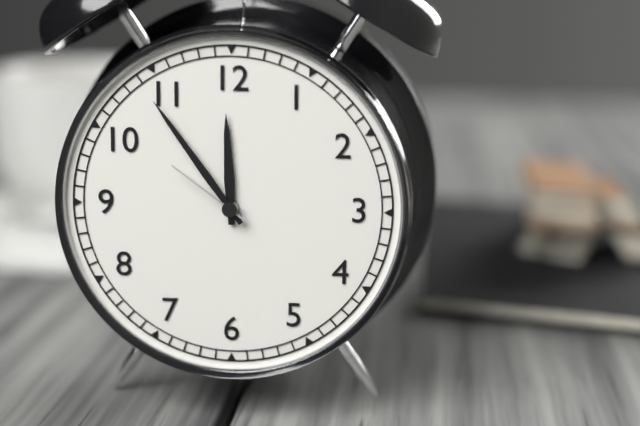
11 h 54 min 51 s
